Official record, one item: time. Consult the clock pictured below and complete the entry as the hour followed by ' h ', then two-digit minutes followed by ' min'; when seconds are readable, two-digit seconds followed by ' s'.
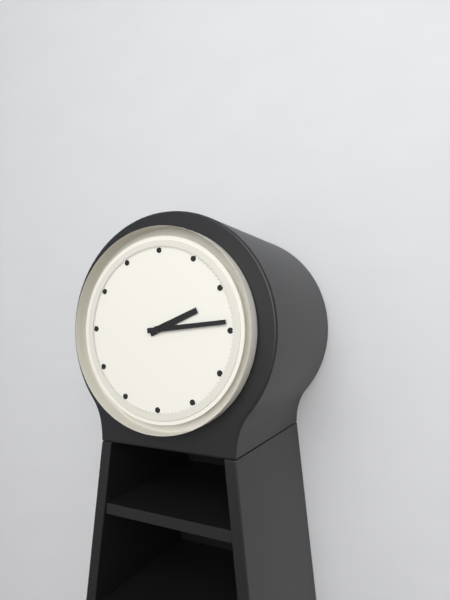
2 h 14 min
